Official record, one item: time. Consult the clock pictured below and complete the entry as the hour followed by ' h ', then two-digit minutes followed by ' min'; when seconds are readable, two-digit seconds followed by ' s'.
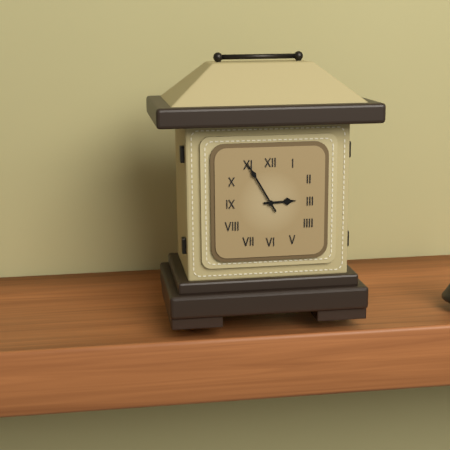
2 h 55 min
